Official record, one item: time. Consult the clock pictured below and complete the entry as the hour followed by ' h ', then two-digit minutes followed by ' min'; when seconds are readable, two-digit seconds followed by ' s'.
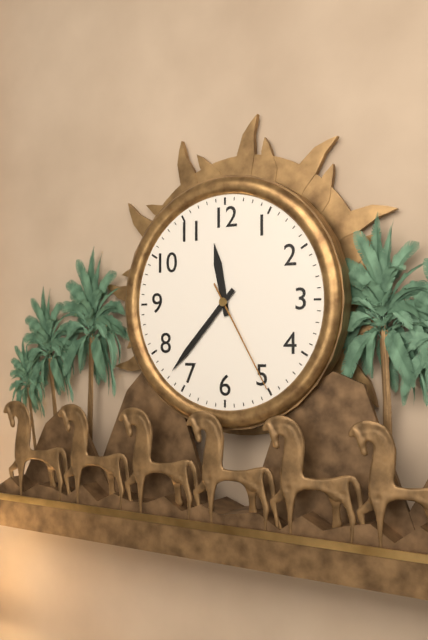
11 h 37 min 25 s
